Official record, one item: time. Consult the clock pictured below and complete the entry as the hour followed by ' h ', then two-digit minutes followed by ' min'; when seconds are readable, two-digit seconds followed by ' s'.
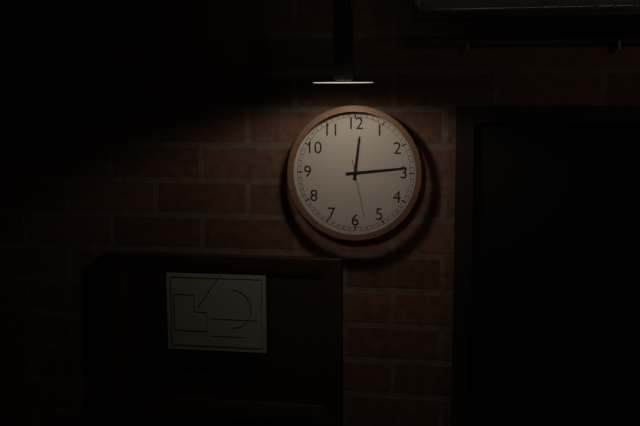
12 h 14 min 28 s
